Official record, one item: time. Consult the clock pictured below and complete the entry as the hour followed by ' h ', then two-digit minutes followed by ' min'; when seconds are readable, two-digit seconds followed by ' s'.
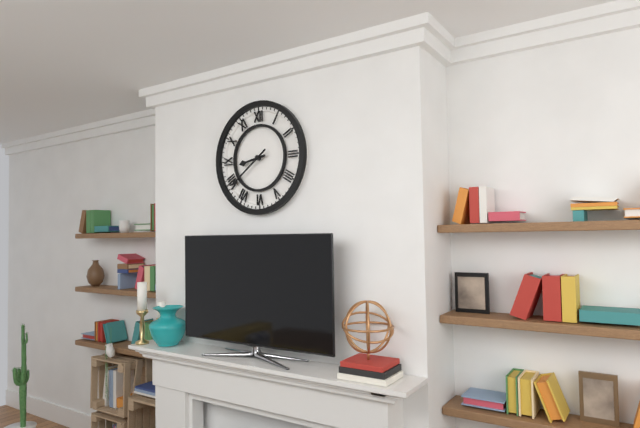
8 h 39 min
